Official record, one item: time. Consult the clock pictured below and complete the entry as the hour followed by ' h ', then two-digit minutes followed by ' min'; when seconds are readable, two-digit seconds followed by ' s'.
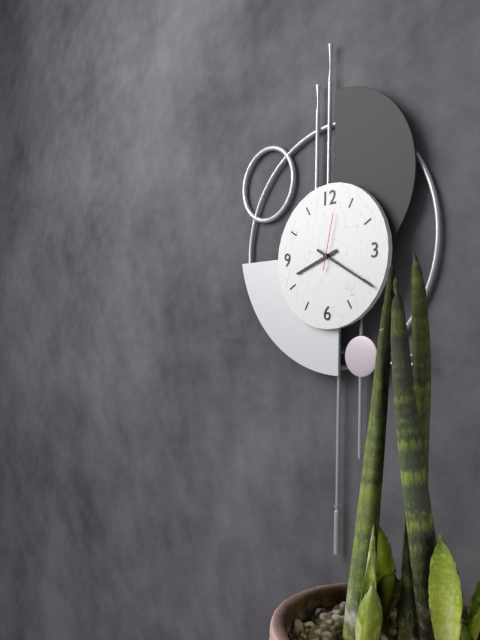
8 h 20 min 02 s
